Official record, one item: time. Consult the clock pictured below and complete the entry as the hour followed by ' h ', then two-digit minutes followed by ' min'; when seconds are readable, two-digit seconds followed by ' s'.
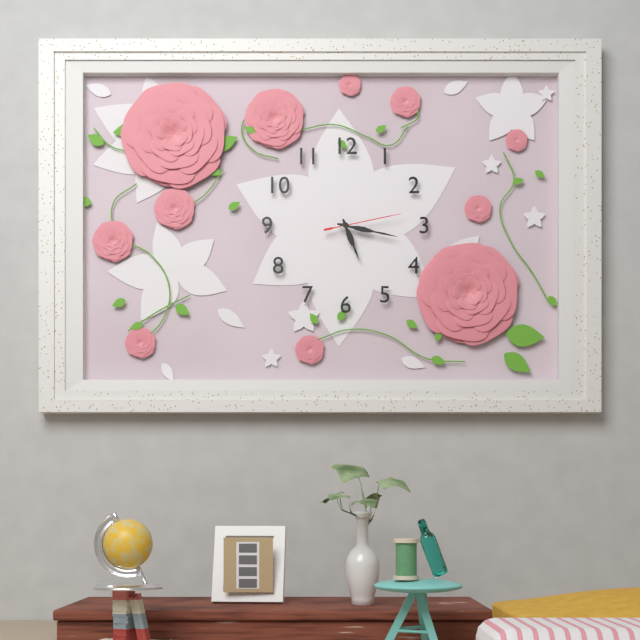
5 h 17 min 13 s
